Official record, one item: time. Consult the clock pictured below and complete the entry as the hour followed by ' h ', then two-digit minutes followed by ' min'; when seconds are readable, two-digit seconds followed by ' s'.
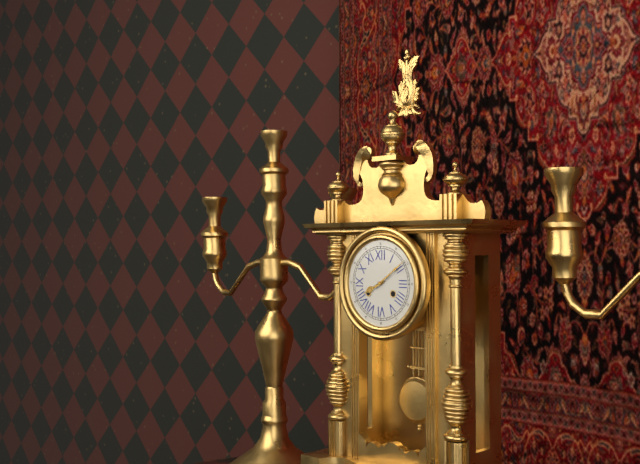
8 h 09 min
